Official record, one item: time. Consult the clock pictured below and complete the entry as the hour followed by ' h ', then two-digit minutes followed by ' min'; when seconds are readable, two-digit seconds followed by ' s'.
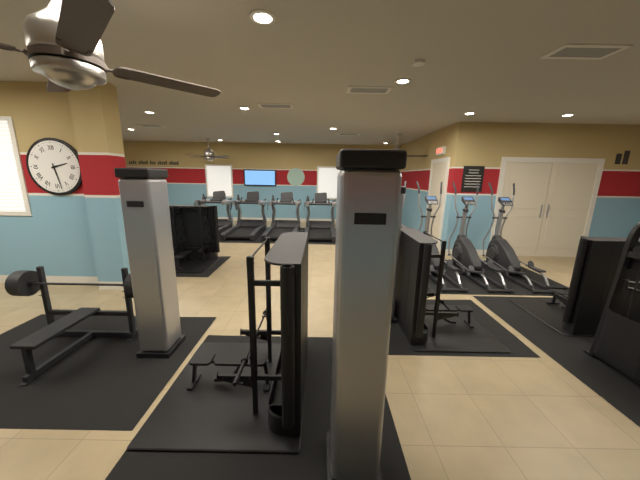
2 h 28 min
